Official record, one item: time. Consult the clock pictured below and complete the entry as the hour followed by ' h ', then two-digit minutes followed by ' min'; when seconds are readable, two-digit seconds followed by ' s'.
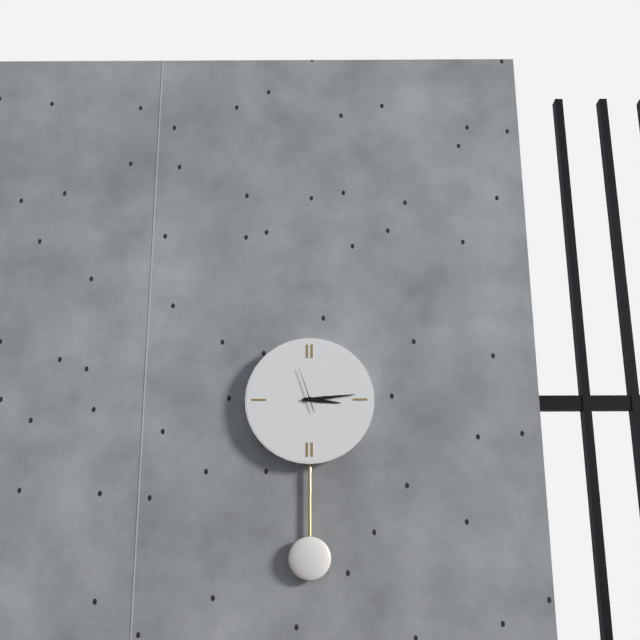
3 h 14 min
